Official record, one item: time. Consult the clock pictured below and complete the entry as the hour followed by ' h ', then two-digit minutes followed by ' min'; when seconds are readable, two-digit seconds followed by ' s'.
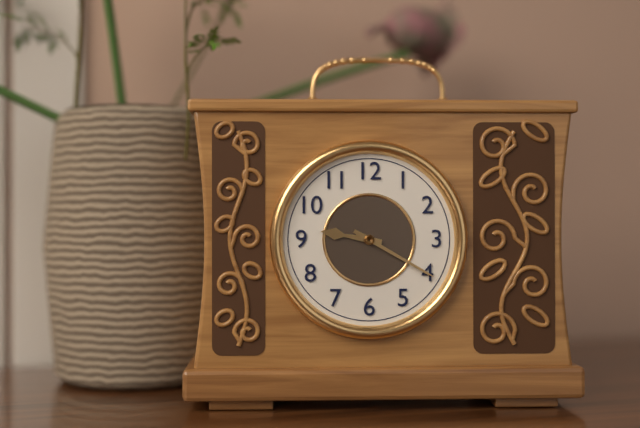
9 h 20 min
